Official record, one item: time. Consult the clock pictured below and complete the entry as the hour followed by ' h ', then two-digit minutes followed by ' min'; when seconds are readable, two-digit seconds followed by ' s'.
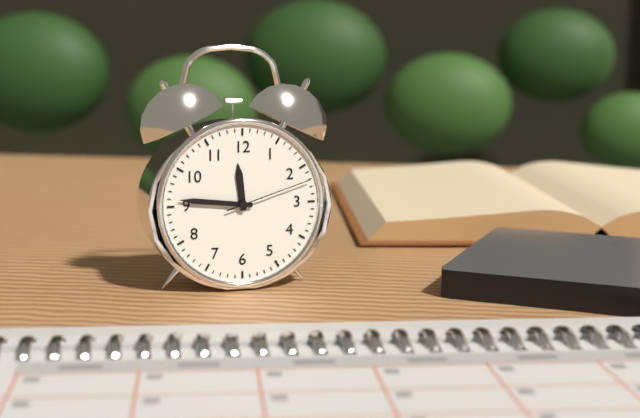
11 h 46 min 12 s
